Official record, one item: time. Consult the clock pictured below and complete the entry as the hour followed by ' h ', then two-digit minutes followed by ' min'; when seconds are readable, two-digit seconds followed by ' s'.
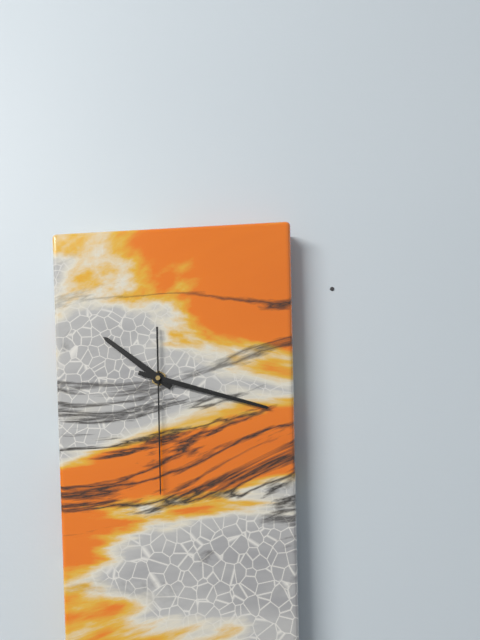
10 h 18 min 30 s
